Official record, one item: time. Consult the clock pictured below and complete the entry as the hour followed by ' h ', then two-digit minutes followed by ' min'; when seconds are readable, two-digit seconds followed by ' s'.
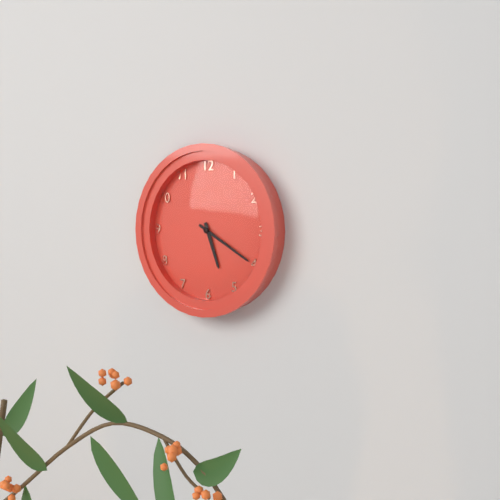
5 h 20 min
